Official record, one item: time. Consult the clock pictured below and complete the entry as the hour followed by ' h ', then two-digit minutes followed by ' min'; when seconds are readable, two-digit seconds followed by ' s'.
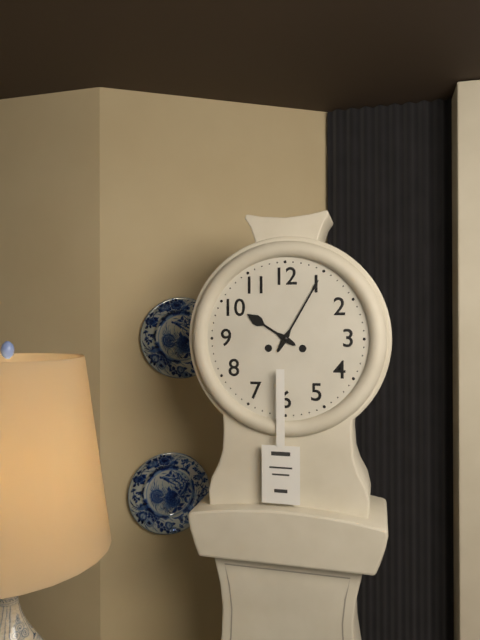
10 h 05 min
